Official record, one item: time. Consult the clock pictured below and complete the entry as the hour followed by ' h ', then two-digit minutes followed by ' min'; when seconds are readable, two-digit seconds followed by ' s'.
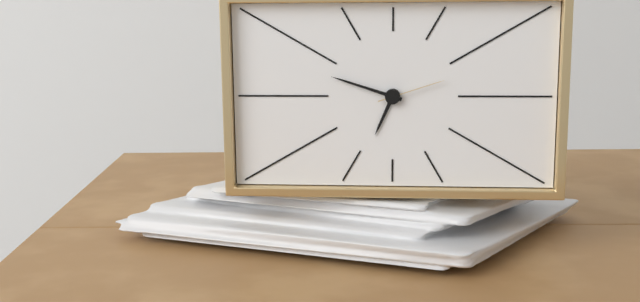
6 h 48 min 12 s
